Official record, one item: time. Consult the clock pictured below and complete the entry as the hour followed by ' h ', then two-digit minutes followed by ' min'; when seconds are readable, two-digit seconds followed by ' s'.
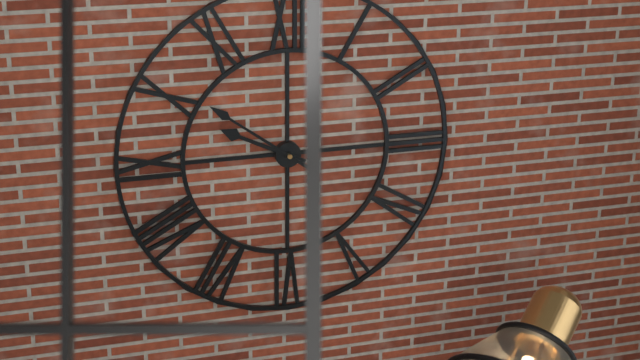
9 h 51 min
